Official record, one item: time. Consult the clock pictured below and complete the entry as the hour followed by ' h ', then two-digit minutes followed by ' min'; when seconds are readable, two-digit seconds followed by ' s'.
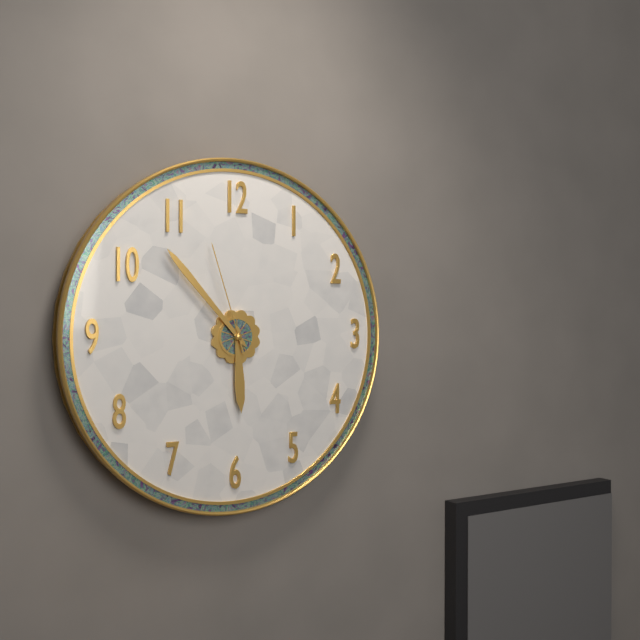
5 h 53 min 57 s
